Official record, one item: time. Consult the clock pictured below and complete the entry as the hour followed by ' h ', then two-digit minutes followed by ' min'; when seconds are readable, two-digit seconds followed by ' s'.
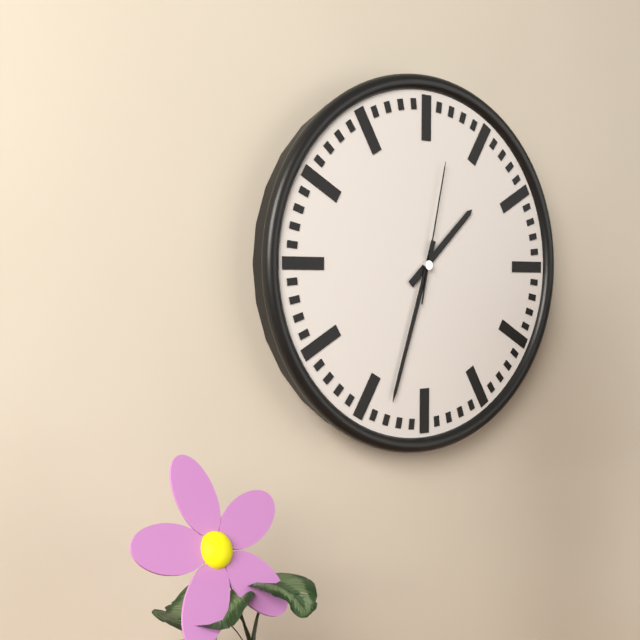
1 h 33 min 02 s
